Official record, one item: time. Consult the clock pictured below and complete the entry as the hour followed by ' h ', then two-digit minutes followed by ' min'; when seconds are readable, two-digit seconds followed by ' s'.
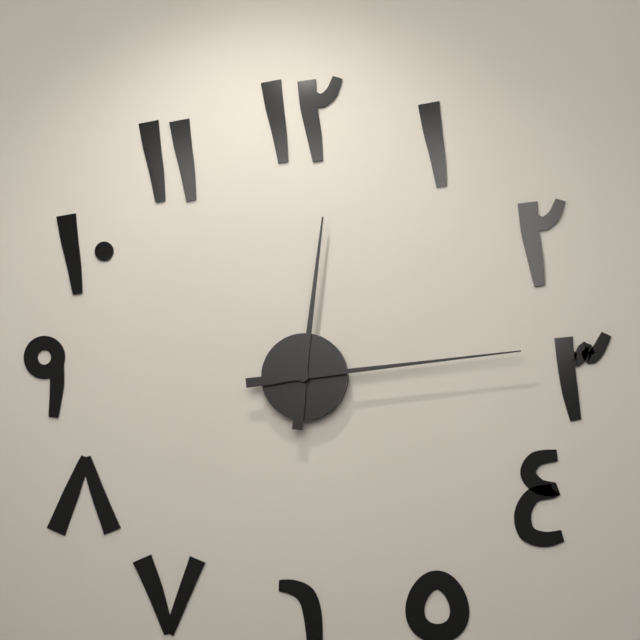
12 h 14 min
